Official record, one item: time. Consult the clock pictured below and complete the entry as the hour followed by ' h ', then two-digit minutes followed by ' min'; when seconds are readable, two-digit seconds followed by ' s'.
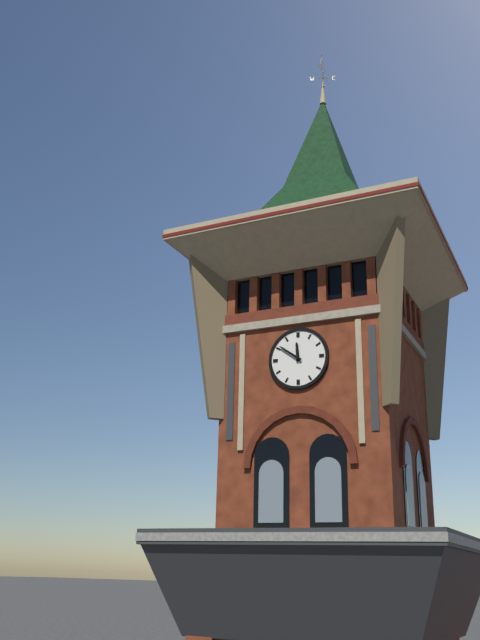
11 h 51 min
